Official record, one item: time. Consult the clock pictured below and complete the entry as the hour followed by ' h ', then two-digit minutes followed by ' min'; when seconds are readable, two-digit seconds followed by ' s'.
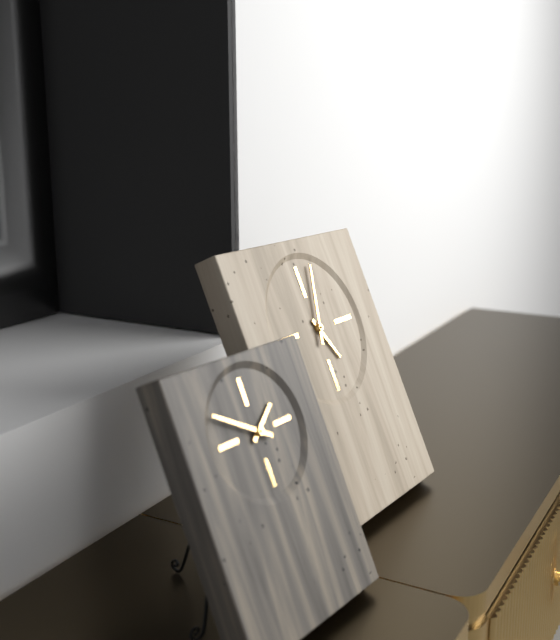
5 h 03 min
